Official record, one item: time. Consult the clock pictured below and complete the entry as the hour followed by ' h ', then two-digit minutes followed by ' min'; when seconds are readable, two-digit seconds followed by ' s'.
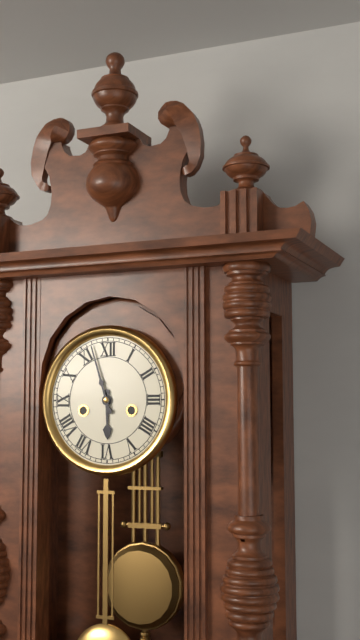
5 h 57 min
